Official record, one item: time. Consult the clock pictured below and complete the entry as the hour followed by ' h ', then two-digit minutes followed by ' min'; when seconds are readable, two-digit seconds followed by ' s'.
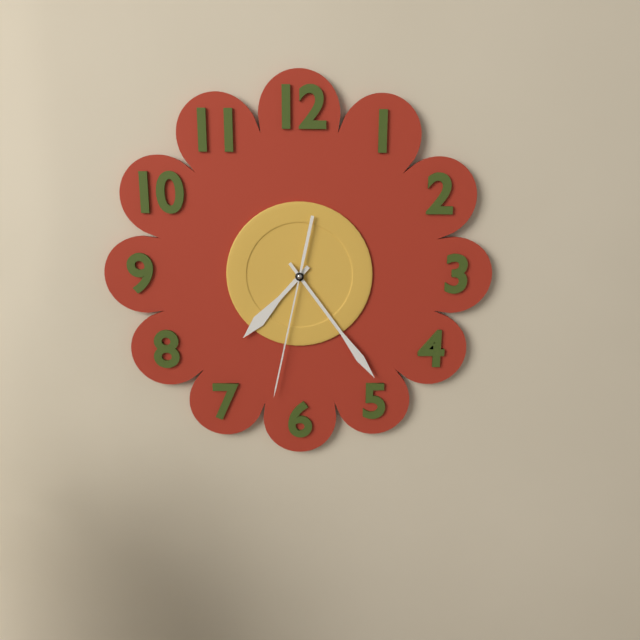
7 h 24 min 32 s
